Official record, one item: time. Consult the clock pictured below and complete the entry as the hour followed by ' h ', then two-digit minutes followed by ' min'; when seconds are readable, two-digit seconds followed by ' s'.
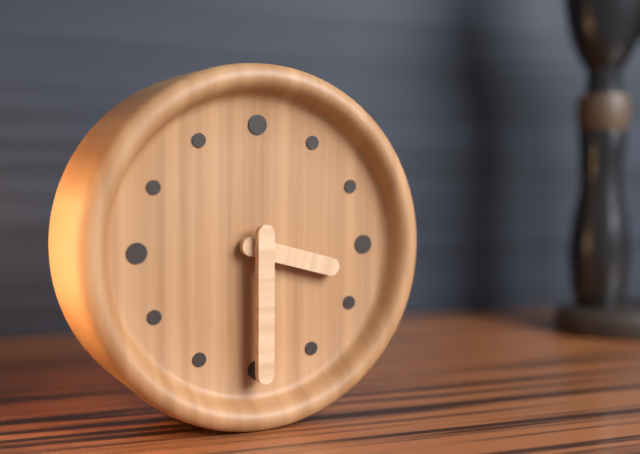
3 h 30 min
